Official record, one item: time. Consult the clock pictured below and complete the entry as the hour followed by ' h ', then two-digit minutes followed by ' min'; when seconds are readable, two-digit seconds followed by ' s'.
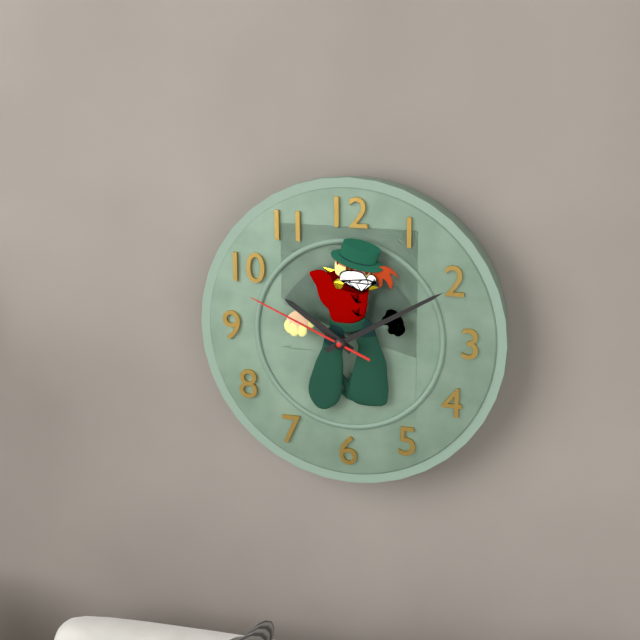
10 h 10 min 49 s
